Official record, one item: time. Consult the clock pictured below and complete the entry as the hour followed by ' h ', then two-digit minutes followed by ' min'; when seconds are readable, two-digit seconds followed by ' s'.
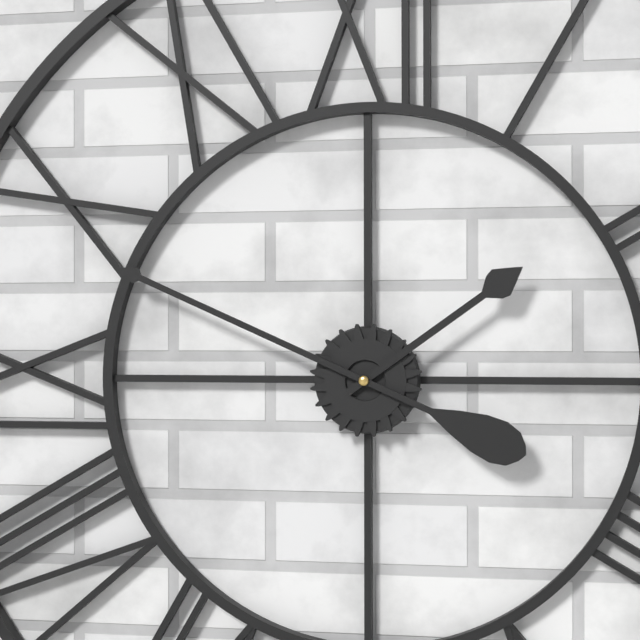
1 h 49 min
